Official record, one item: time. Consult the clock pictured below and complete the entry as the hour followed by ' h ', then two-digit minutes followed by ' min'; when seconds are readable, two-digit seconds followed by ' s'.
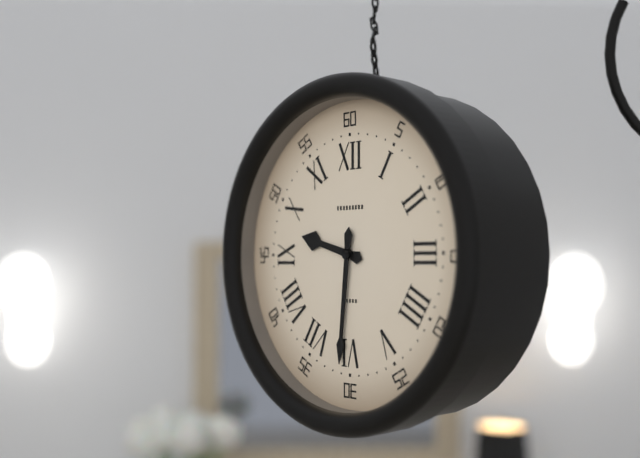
9 h 31 min
